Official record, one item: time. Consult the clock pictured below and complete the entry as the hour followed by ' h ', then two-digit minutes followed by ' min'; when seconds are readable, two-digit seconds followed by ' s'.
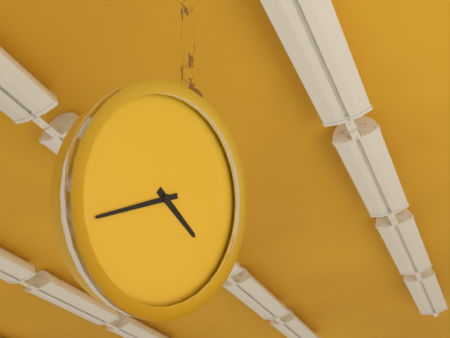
3 h 39 min
